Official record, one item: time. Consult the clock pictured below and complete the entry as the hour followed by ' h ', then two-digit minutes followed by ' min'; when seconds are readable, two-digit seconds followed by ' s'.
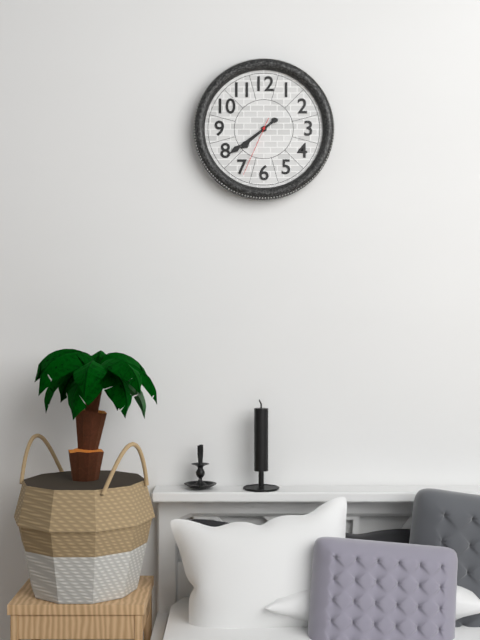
7 h 39 min 34 s
